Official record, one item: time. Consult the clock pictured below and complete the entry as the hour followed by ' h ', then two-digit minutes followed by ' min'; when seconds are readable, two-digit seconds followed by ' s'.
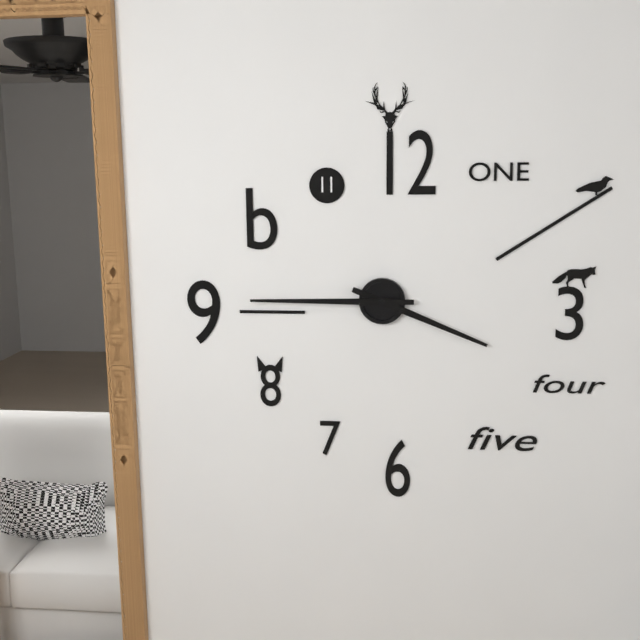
3 h 45 min
